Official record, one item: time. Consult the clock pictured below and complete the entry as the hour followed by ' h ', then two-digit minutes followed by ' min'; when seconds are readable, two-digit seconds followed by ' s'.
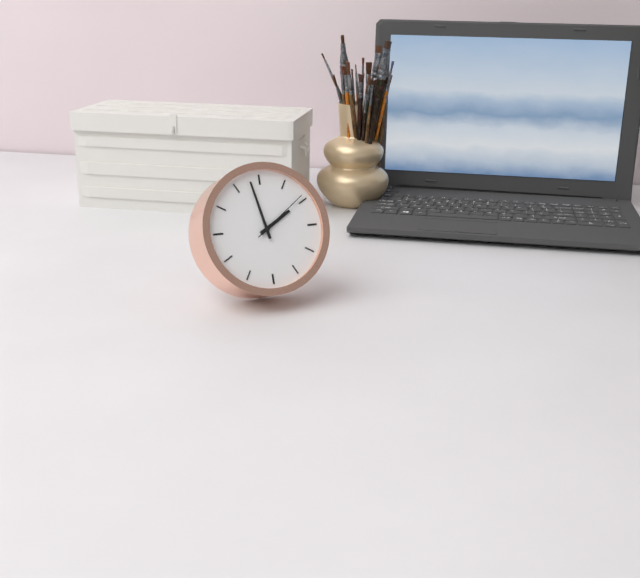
1 h 58 min 09 s
